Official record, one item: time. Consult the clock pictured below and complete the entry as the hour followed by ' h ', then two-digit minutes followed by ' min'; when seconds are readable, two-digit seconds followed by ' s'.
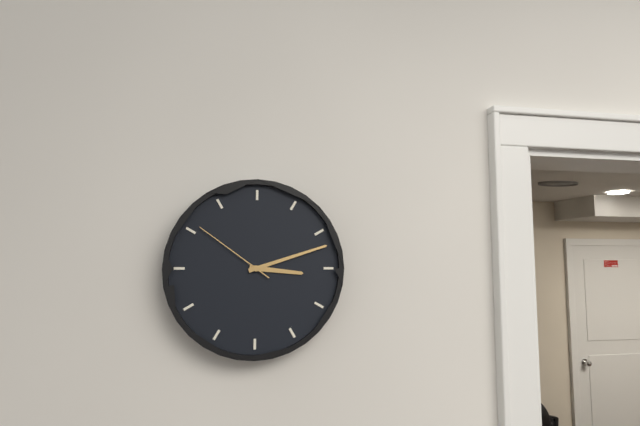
3 h 12 min 51 s
